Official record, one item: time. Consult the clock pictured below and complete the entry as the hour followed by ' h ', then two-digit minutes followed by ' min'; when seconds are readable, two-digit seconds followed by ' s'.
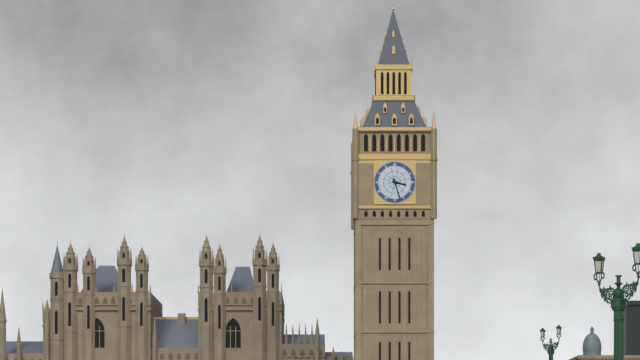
3 h 27 min
